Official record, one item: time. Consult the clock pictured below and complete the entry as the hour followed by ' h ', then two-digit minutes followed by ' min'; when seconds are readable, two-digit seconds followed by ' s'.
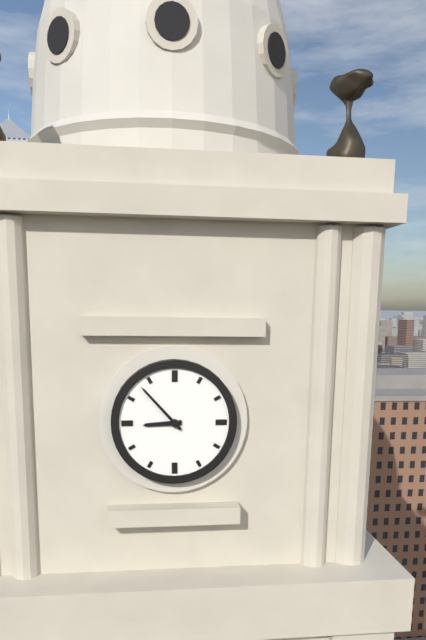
8 h 53 min
